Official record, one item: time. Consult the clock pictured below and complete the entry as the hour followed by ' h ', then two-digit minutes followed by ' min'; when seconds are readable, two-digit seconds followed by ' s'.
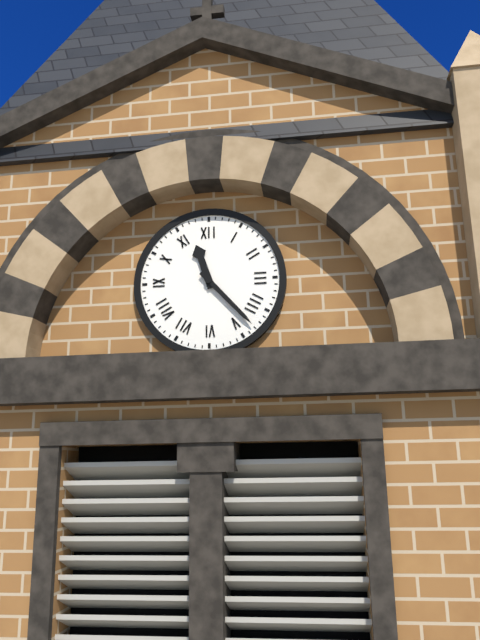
11 h 23 min
